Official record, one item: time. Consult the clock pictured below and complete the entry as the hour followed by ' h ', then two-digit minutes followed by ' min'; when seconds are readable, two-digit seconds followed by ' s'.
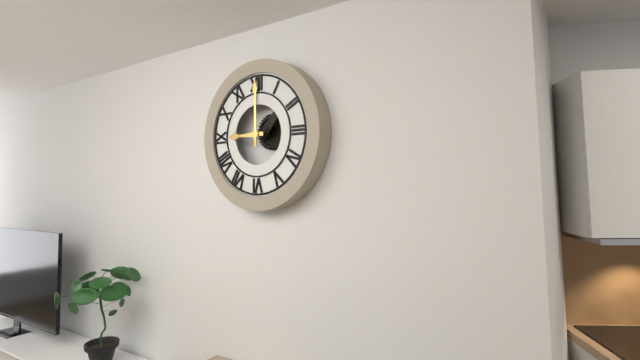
9 h 00 min
